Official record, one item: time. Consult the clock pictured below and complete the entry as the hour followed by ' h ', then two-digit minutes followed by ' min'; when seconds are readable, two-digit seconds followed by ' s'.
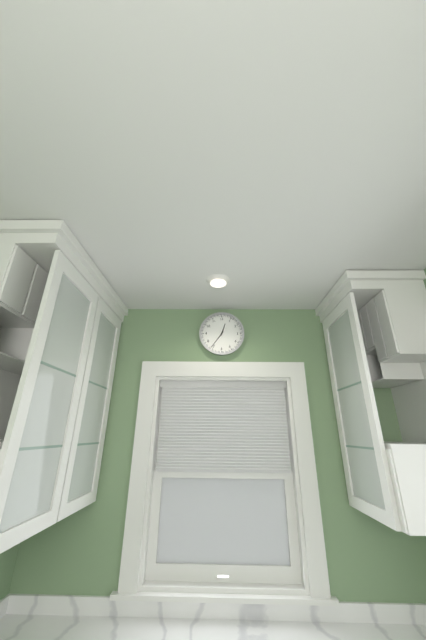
12 h 36 min
